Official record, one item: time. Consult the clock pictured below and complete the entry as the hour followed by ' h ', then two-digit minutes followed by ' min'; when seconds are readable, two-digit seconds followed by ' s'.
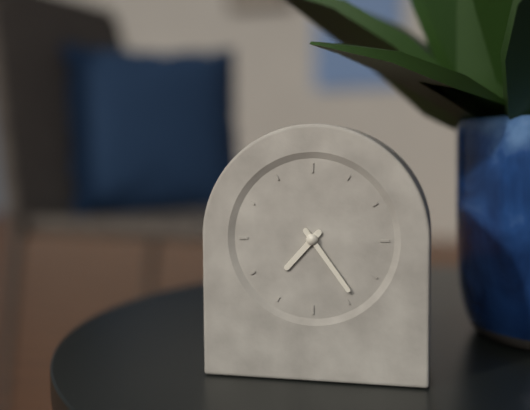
7 h 24 min
